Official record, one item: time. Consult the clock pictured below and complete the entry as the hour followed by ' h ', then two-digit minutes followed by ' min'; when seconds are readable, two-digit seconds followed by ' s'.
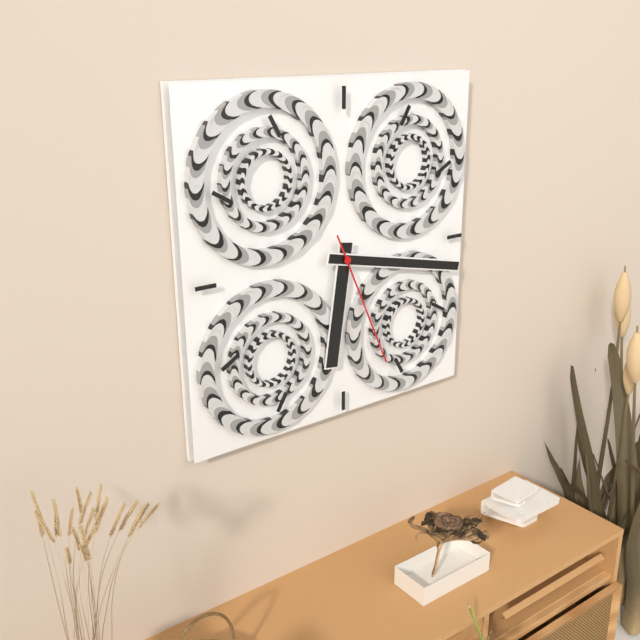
6 h 17 min 26 s
